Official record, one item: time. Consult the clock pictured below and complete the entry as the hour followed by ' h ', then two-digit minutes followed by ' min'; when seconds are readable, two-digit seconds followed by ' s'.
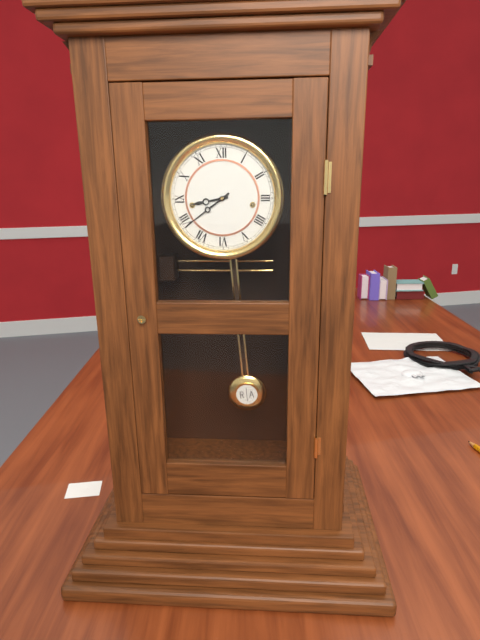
8 h 39 min
